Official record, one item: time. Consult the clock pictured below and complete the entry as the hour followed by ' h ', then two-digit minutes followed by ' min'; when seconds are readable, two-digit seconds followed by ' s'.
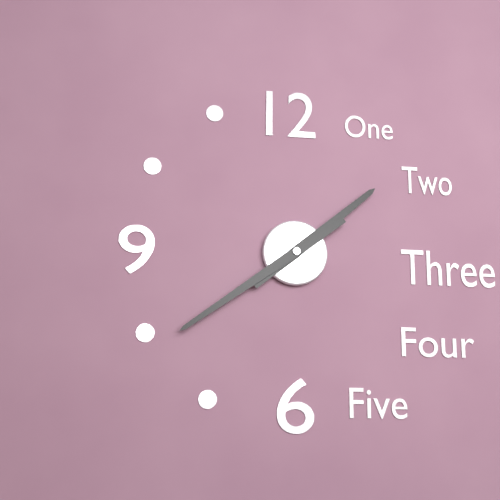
1 h 39 min
